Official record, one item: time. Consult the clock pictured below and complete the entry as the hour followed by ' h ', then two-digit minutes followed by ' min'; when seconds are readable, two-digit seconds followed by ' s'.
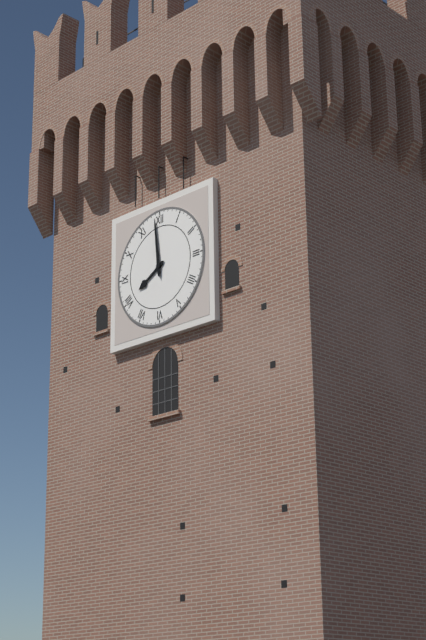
7 h 59 min
